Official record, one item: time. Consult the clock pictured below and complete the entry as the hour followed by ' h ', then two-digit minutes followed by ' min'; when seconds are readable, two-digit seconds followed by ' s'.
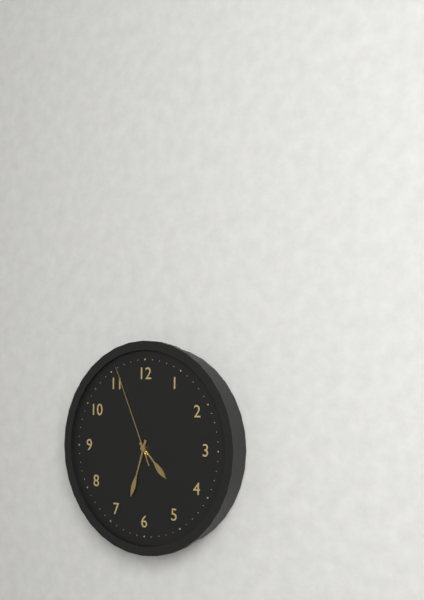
4 h 33 min 56 s
